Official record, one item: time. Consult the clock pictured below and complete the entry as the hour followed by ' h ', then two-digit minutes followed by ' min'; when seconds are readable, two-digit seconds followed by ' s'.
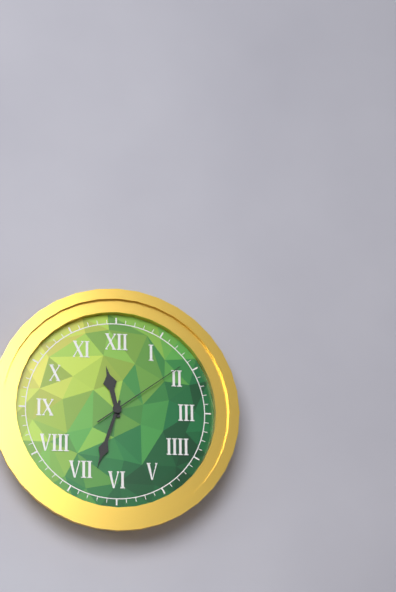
11 h 33 min 09 s
